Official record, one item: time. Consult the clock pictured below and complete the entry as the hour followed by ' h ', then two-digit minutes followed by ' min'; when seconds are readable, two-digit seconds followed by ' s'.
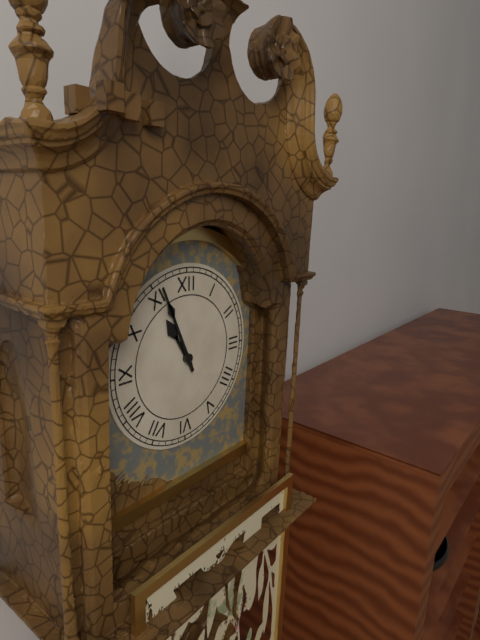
10 h 56 min
